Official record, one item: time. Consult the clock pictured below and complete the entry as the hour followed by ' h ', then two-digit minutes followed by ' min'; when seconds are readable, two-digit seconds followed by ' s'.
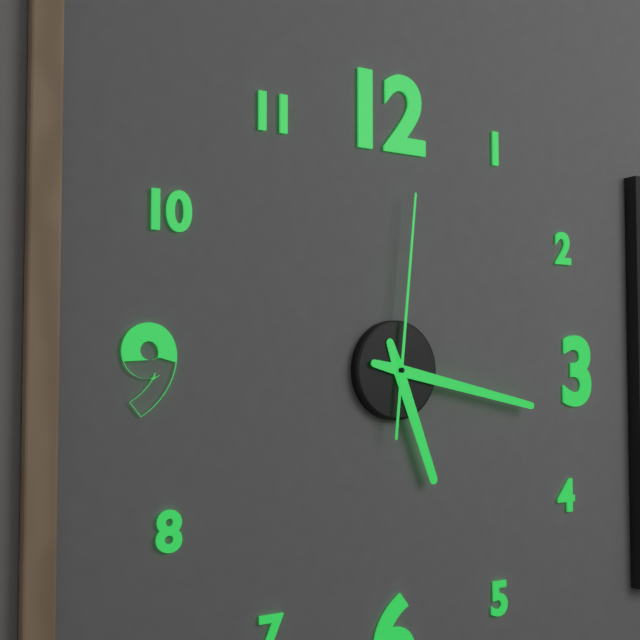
5 h 17 min 01 s
